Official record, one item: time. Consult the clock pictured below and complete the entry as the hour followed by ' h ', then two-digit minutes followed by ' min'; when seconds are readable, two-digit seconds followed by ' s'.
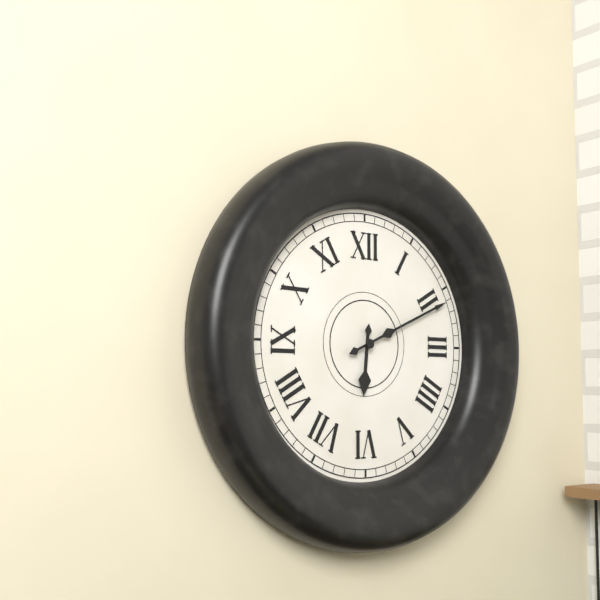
6 h 11 min
